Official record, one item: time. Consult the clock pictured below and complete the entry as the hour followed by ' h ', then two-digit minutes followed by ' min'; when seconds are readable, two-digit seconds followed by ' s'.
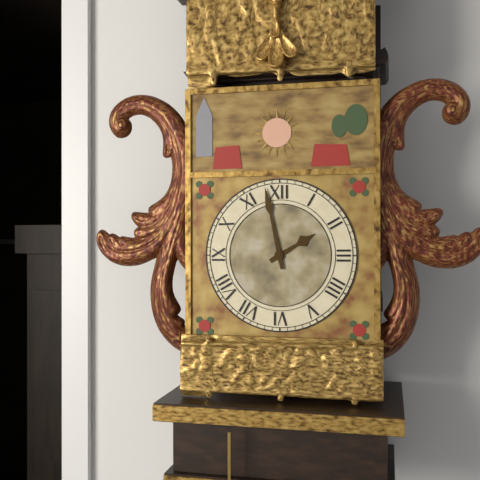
1 h 58 min
